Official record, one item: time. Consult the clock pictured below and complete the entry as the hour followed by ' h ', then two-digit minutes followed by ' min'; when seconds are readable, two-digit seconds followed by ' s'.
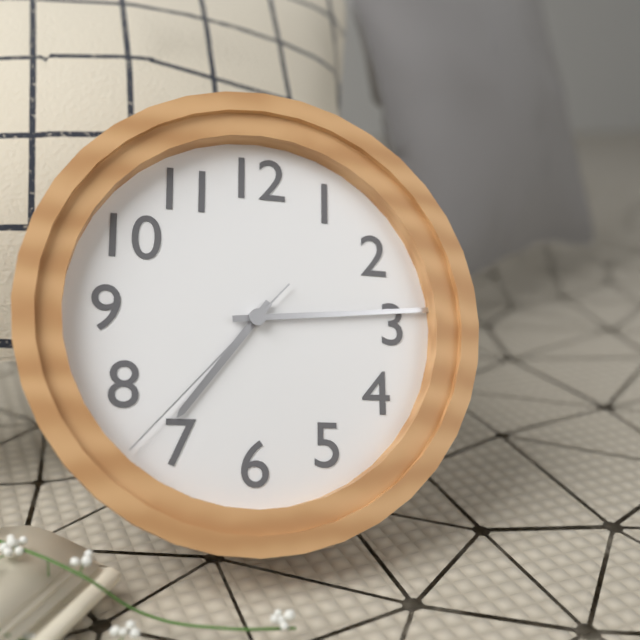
7 h 14 min 37 s
